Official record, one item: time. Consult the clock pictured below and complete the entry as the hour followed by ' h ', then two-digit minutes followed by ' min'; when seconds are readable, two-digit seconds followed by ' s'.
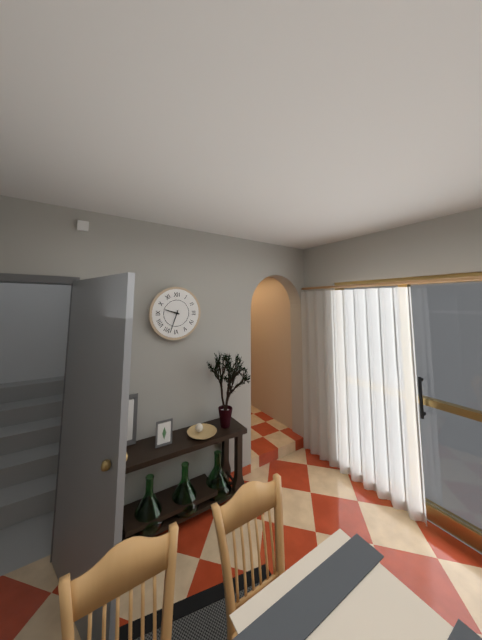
9 h 33 min
